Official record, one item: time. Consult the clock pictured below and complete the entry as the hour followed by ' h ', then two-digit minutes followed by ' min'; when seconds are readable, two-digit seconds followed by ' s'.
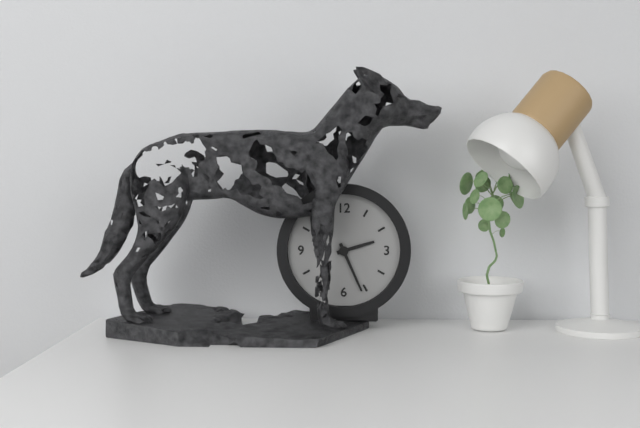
2 h 26 min
